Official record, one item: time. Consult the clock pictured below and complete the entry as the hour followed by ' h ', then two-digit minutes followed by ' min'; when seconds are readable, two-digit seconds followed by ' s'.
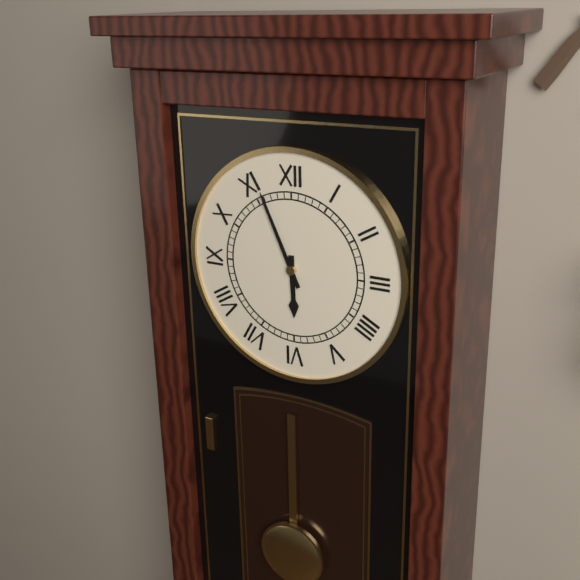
5 h 56 min
